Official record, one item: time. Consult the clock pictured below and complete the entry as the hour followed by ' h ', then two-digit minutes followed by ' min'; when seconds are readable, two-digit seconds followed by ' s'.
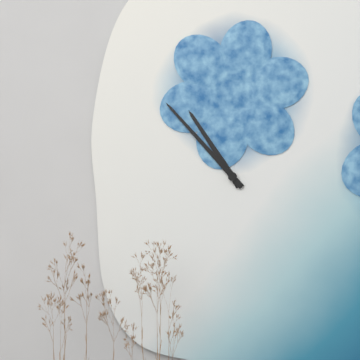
10 h 53 min
